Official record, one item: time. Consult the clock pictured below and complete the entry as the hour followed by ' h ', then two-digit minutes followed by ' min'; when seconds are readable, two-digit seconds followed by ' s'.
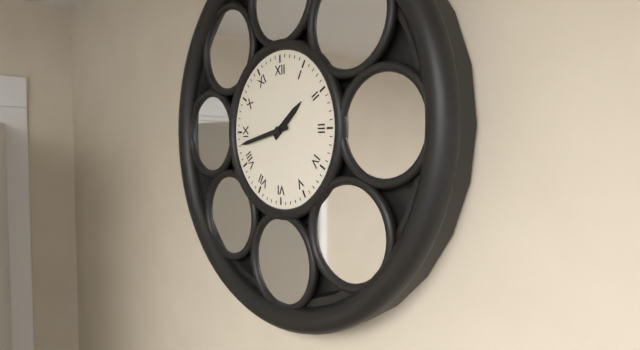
1 h 43 min
